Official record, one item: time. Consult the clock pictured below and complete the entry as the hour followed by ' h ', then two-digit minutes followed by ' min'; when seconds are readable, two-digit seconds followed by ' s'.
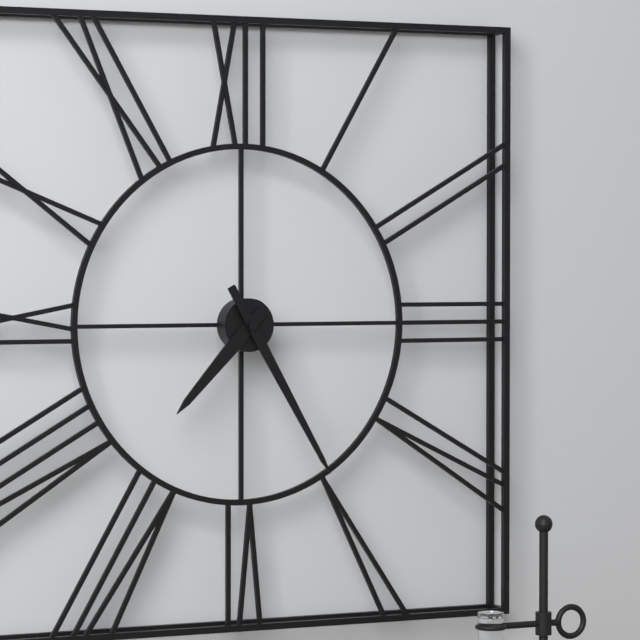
7 h 25 min
